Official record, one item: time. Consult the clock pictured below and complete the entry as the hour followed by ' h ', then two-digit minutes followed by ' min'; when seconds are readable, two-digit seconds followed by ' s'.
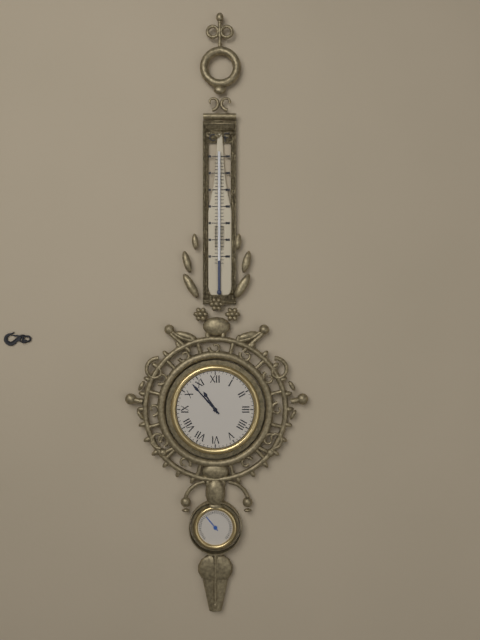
10 h 53 min
